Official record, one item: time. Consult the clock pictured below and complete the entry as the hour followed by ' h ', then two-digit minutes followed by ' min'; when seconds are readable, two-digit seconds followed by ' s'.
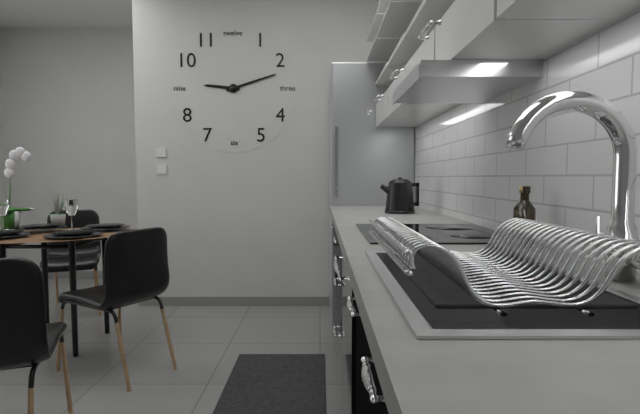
9 h 12 min
